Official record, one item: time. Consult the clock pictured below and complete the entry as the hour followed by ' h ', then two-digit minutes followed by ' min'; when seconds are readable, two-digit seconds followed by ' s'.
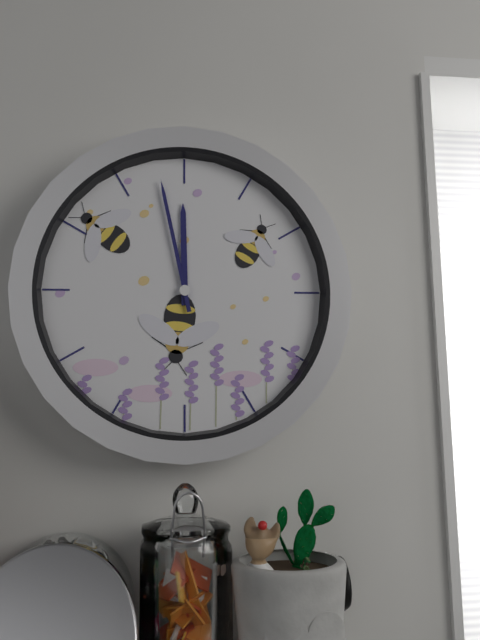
11 h 58 min
